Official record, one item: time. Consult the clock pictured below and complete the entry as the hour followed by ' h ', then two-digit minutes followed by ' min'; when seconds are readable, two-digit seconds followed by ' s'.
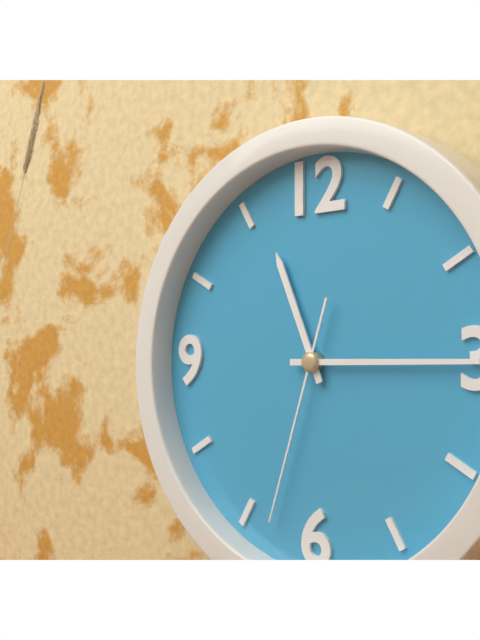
11 h 15 min 33 s
